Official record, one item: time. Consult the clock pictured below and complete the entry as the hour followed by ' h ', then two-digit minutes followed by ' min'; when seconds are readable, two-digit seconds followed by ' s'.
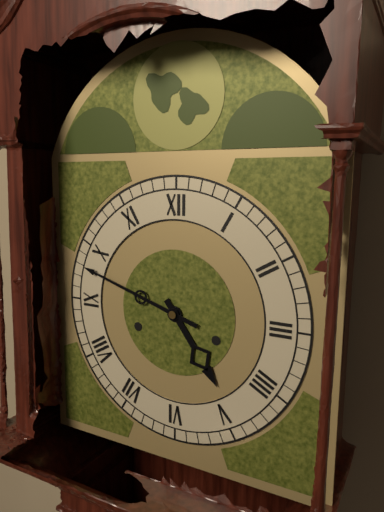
4 h 48 min
